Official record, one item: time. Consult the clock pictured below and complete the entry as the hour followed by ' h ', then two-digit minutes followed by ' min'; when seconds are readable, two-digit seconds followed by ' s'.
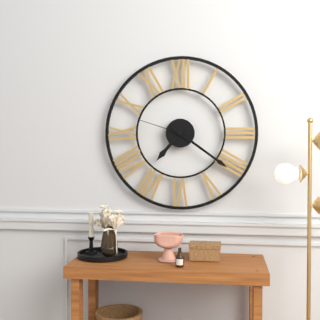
7 h 21 min 48 s
